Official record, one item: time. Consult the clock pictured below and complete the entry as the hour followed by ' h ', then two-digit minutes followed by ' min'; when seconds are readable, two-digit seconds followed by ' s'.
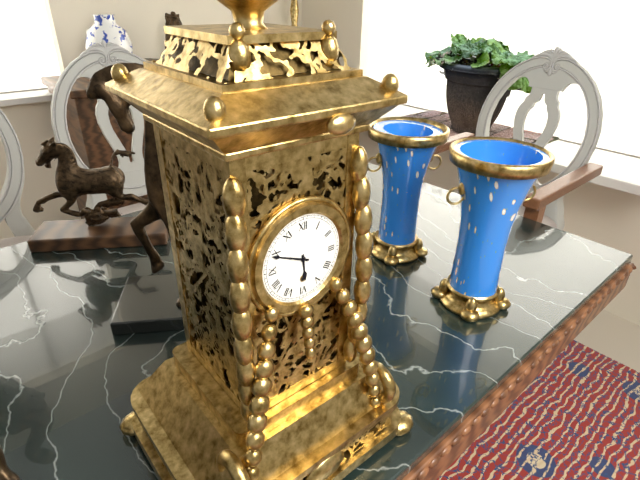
5 h 49 min
